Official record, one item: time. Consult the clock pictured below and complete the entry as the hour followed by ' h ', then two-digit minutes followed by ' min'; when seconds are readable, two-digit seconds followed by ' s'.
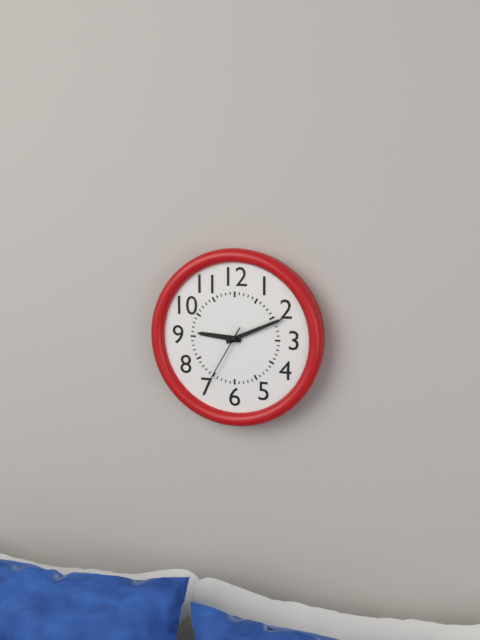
9 h 11 min 35 s
